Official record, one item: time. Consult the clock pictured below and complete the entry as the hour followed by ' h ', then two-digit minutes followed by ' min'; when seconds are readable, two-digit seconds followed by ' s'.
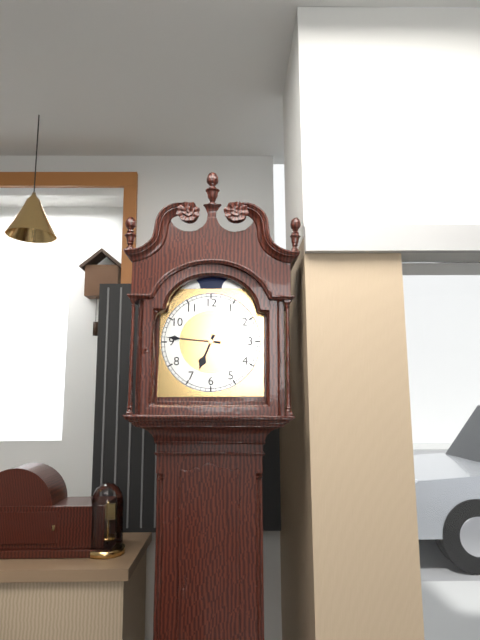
6 h 46 min
